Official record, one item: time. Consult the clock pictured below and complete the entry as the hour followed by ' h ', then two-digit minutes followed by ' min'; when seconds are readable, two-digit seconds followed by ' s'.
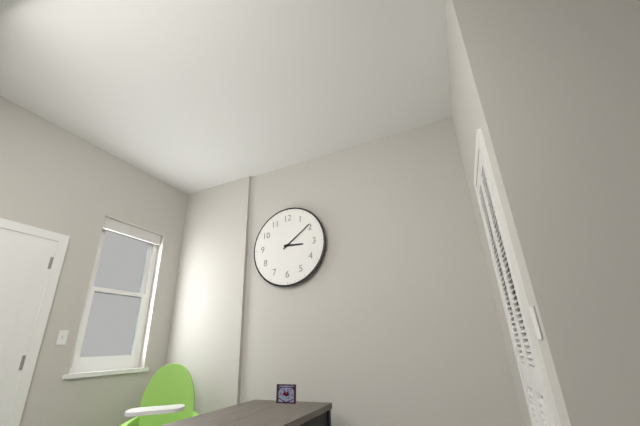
3 h 09 min
